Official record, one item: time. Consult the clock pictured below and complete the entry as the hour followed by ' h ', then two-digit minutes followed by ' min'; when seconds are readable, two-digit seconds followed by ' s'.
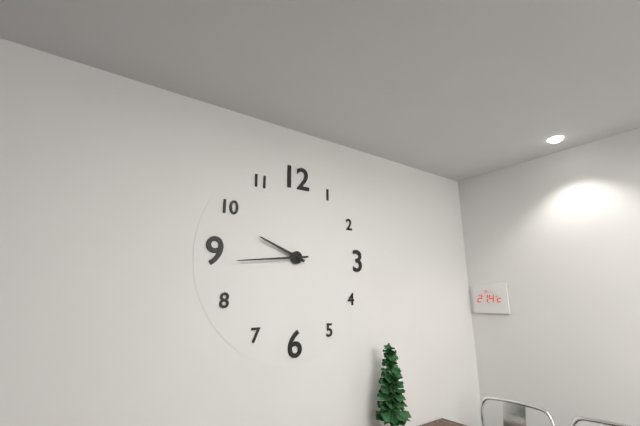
9 h 44 min
